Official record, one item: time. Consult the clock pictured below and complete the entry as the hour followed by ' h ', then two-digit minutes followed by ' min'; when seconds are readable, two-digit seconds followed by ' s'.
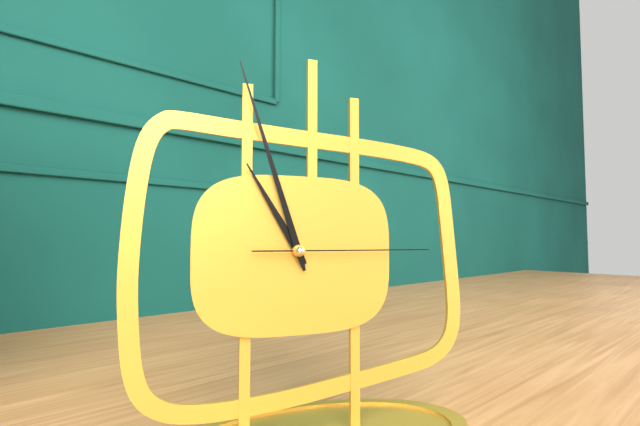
10 h 57 min 15 s
